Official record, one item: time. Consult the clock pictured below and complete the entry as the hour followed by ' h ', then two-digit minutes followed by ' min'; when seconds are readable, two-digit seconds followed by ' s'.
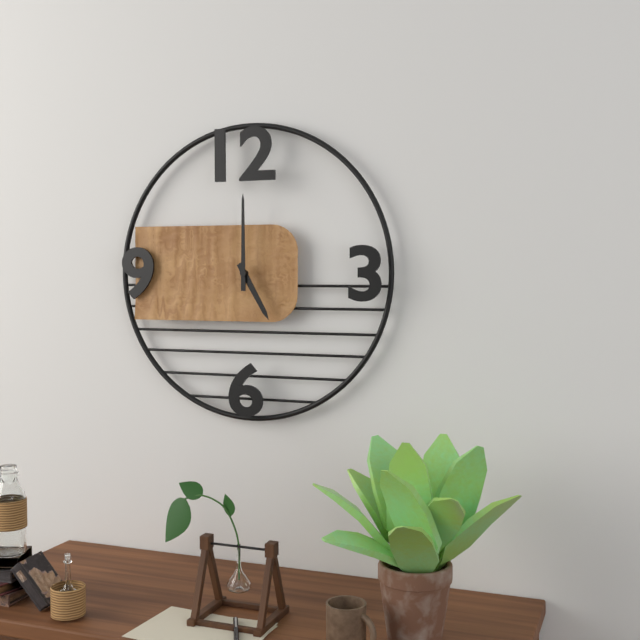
5 h 00 min
